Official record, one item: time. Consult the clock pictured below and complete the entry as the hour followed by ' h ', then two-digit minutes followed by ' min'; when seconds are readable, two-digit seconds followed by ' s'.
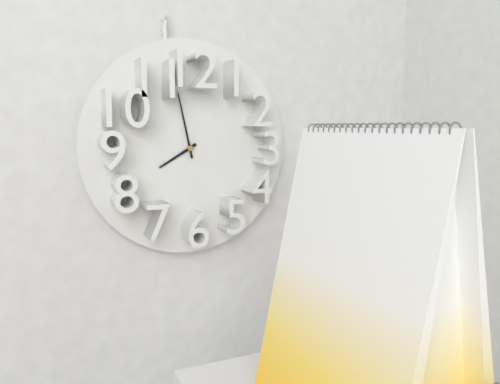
7 h 58 min
